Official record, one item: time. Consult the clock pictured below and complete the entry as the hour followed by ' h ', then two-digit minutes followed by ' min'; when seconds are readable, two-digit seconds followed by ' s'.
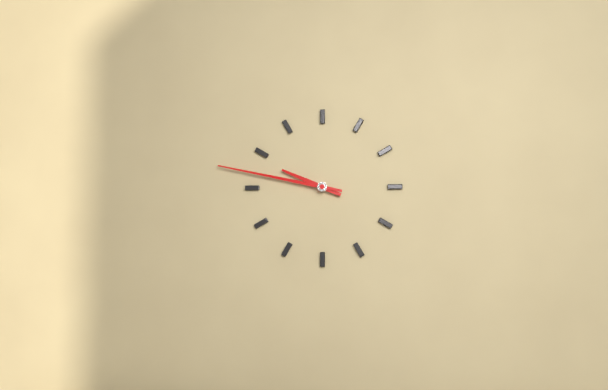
9 h 47 min
